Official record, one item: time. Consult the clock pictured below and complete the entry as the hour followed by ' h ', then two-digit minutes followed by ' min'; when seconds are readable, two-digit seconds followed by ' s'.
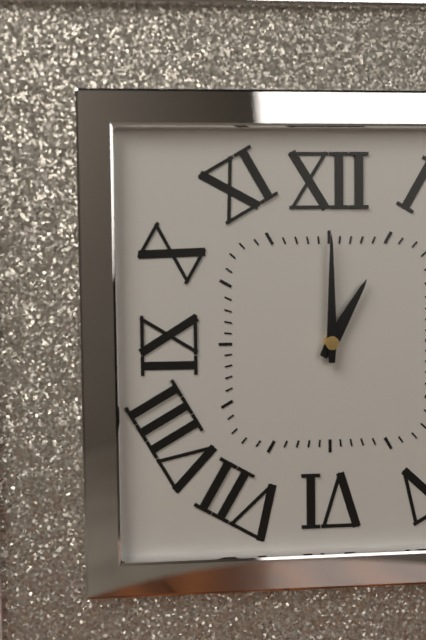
1 h 00 min
